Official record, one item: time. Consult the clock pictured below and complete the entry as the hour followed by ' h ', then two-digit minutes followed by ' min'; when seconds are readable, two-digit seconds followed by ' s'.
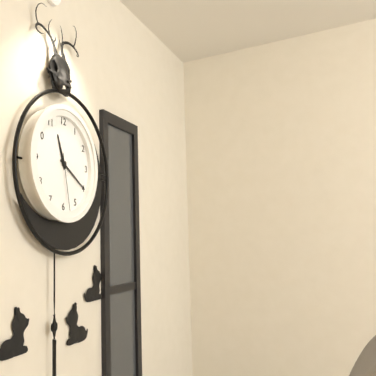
11 h 20 min 28 s
